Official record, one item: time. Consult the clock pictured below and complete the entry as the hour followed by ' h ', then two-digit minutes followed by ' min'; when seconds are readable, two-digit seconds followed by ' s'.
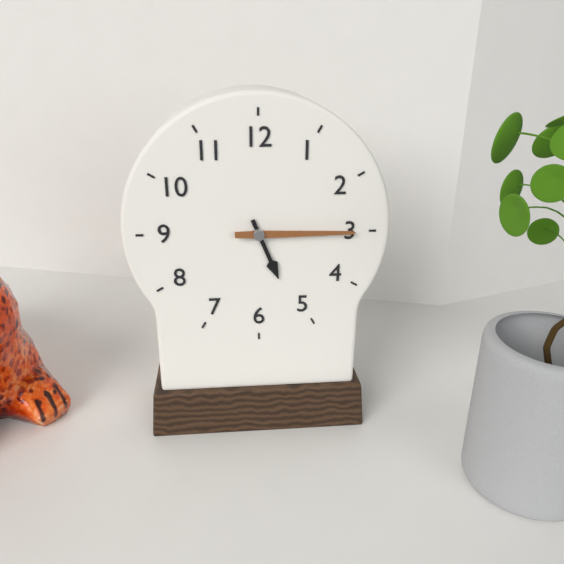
5 h 15 min
